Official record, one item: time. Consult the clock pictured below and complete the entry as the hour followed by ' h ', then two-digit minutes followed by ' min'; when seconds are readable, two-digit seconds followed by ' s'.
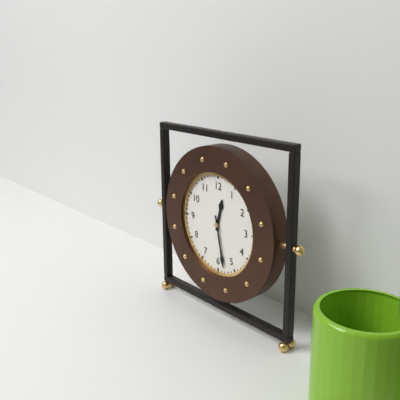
12 h 28 min
